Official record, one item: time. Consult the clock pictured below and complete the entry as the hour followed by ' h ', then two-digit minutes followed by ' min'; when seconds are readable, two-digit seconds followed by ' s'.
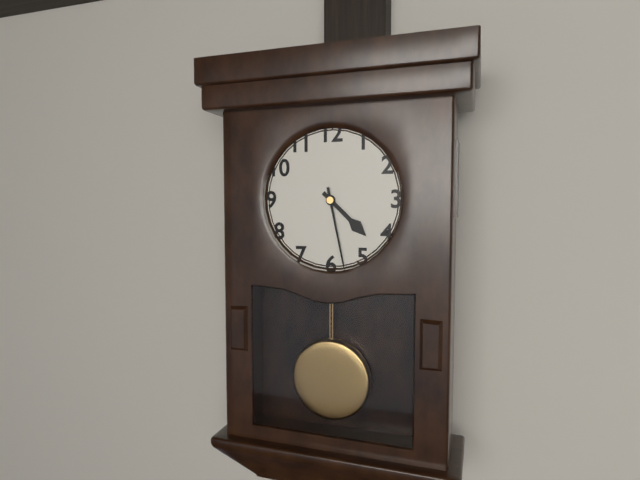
4 h 28 min
